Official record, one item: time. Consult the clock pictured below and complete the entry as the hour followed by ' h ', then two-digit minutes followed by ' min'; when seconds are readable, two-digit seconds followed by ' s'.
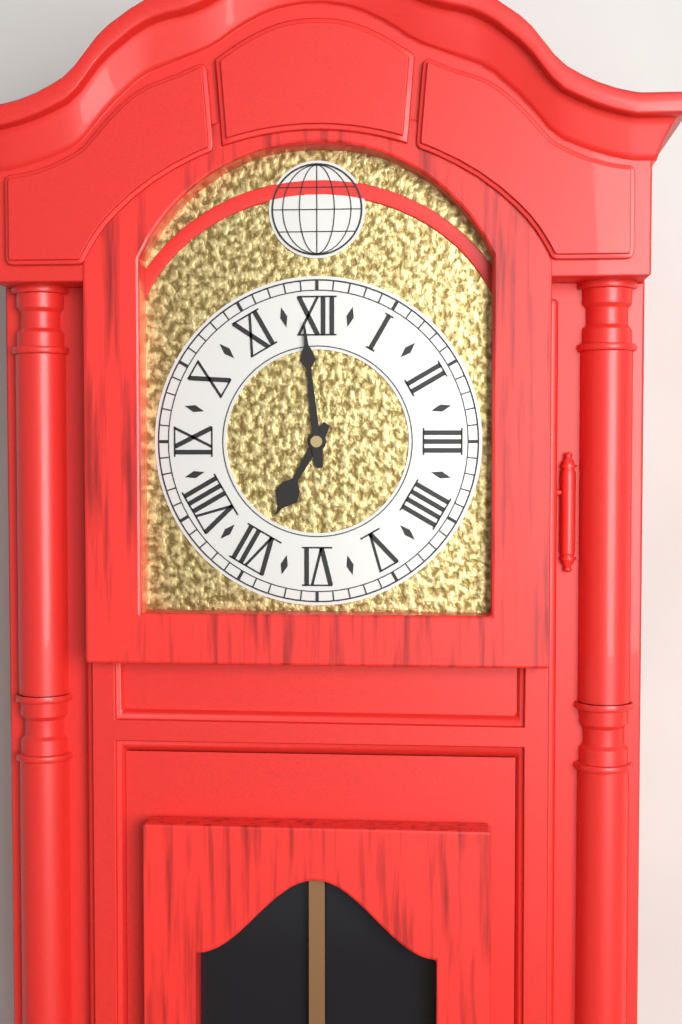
6 h 59 min
